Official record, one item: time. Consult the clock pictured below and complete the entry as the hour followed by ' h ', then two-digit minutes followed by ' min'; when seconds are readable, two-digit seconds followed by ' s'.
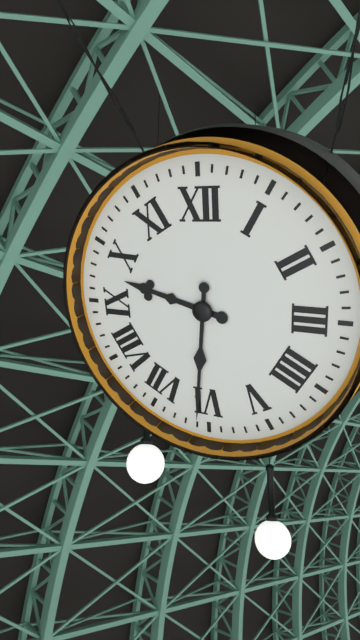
9 h 31 min
